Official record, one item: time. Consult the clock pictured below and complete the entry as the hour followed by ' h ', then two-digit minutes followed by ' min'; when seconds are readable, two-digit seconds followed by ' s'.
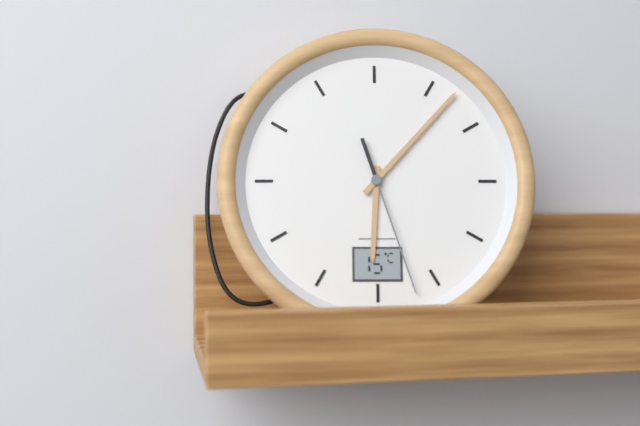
6 h 07 min 27 s
